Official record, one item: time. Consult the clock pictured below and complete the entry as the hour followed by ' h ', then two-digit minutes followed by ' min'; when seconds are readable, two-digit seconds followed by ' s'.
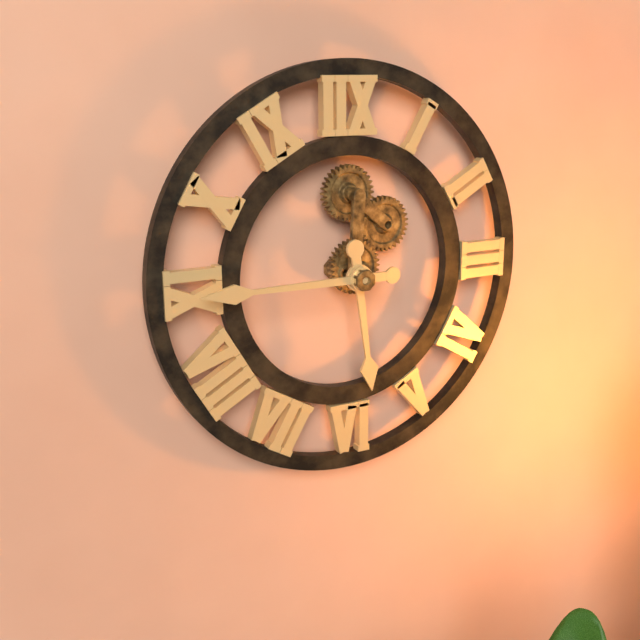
5 h 45 min
